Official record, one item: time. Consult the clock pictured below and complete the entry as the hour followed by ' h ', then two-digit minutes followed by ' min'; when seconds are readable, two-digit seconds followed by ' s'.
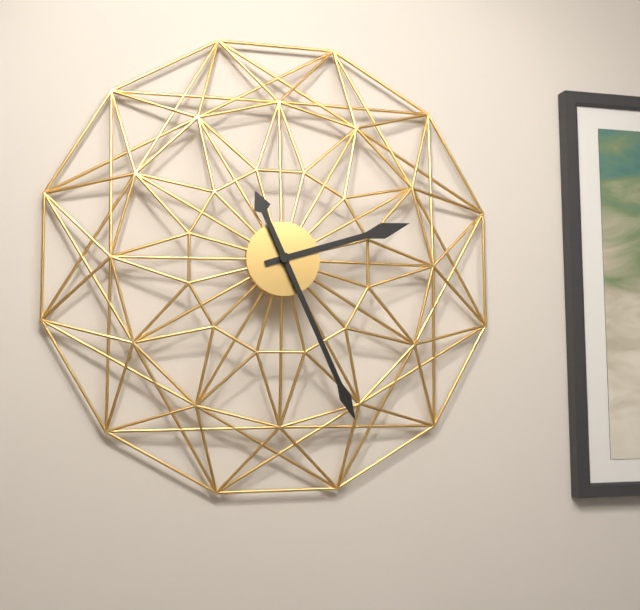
2 h 26 min
